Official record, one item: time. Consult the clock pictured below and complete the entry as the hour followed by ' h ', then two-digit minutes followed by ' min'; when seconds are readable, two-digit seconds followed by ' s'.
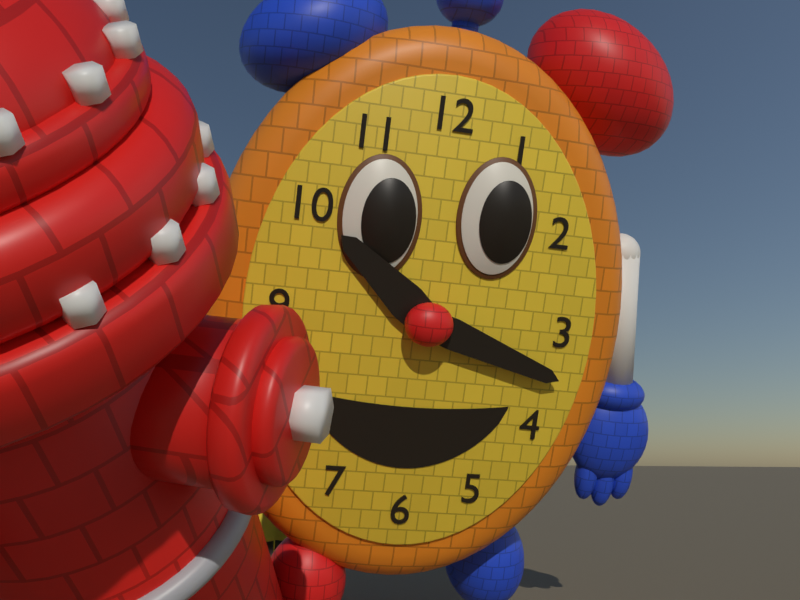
10 h 18 min
